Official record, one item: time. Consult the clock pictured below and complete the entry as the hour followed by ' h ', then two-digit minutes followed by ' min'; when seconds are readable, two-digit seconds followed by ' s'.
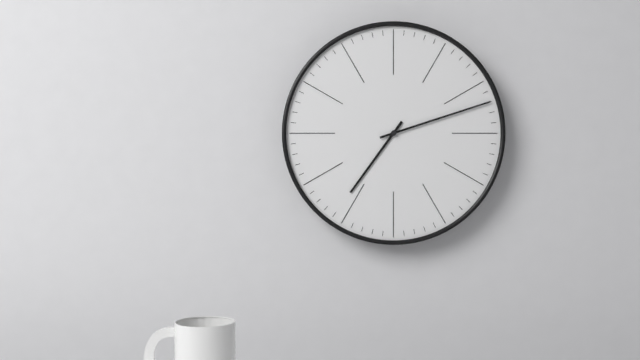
7 h 12 min
